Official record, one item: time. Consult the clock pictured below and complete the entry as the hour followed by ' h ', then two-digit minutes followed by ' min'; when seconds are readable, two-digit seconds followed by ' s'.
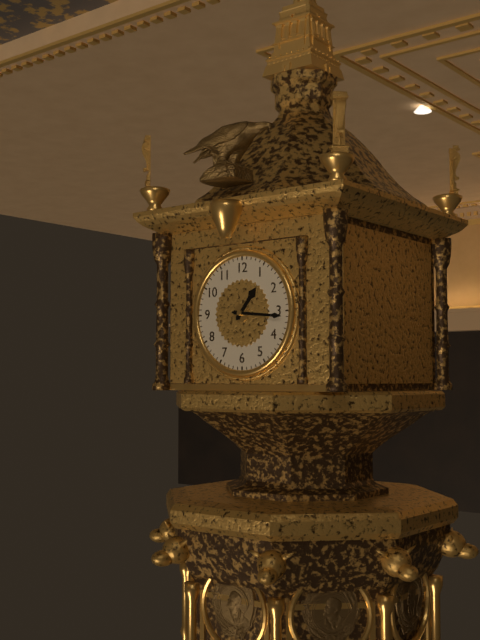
1 h 16 min
